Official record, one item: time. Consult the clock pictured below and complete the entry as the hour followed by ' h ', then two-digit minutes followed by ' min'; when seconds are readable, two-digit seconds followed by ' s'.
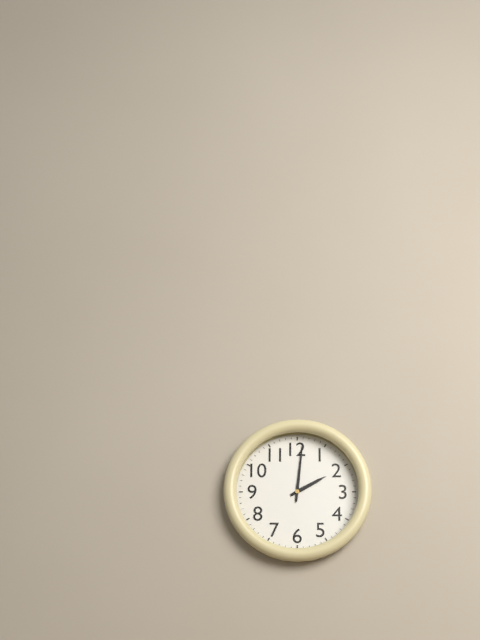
2 h 01 min
